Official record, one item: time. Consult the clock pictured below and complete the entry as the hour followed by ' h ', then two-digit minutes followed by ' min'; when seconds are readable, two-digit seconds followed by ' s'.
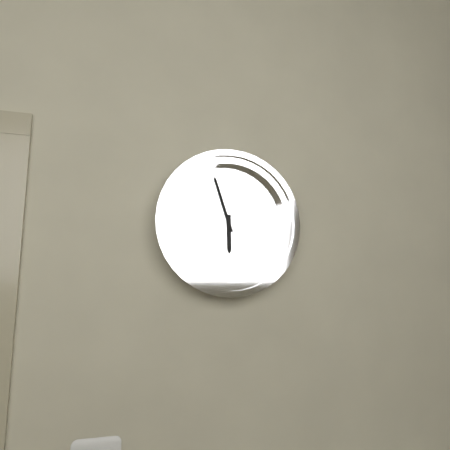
5 h 57 min
